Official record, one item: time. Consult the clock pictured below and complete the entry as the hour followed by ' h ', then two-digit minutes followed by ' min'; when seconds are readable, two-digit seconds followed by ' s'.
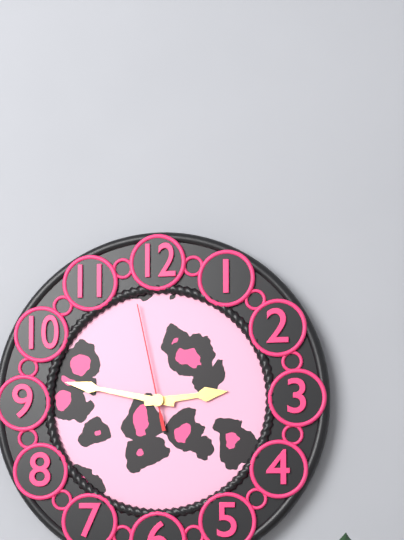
2 h 47 min 58 s
